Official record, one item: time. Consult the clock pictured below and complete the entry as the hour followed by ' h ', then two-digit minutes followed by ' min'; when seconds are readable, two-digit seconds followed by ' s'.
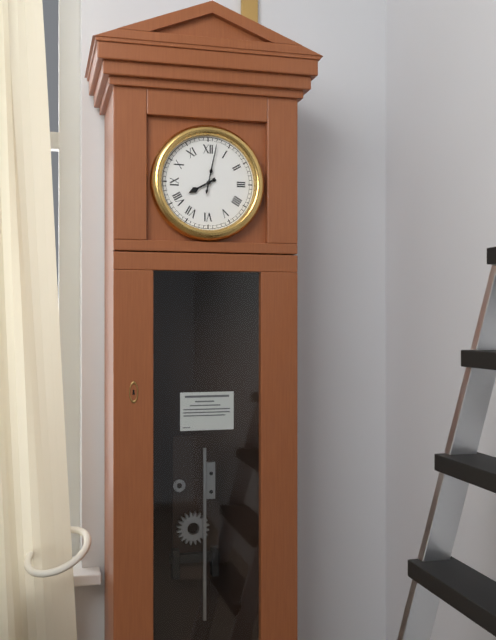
8 h 02 min
